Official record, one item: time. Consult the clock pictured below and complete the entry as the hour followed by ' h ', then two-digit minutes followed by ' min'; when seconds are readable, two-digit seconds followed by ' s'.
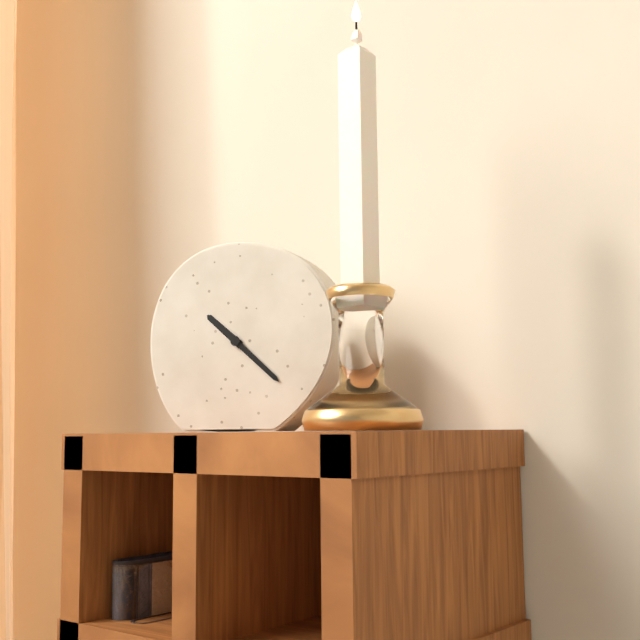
10 h 22 min
